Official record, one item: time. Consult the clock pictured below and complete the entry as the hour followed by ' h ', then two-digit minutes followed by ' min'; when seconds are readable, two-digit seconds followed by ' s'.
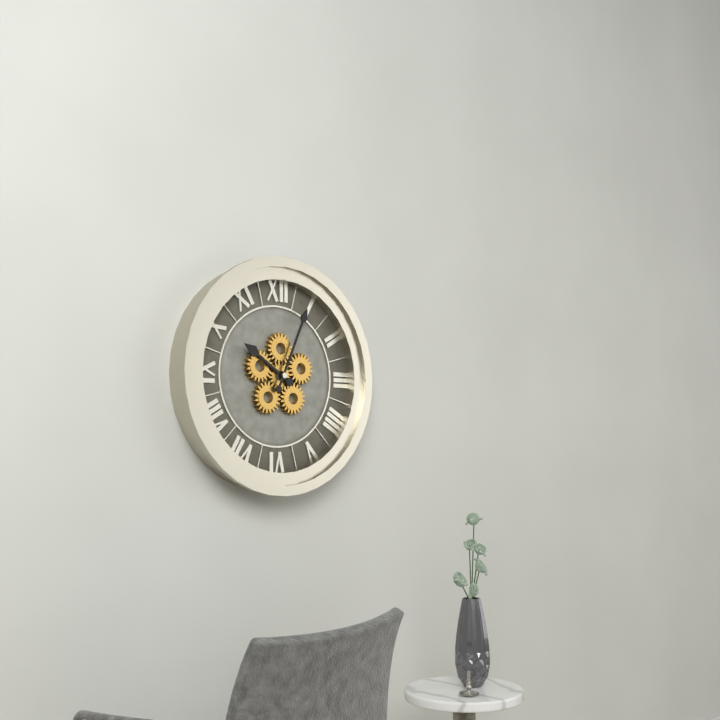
10 h 04 min
